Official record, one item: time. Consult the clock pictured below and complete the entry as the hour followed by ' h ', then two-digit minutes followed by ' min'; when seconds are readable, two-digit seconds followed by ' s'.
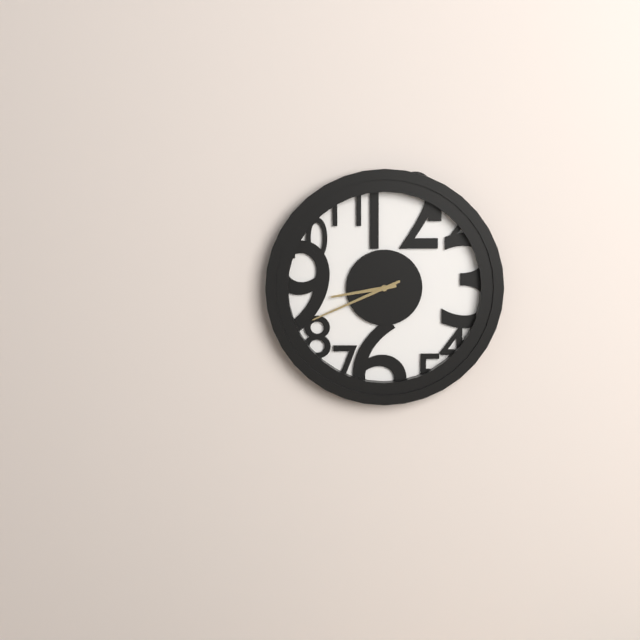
8 h 41 min
